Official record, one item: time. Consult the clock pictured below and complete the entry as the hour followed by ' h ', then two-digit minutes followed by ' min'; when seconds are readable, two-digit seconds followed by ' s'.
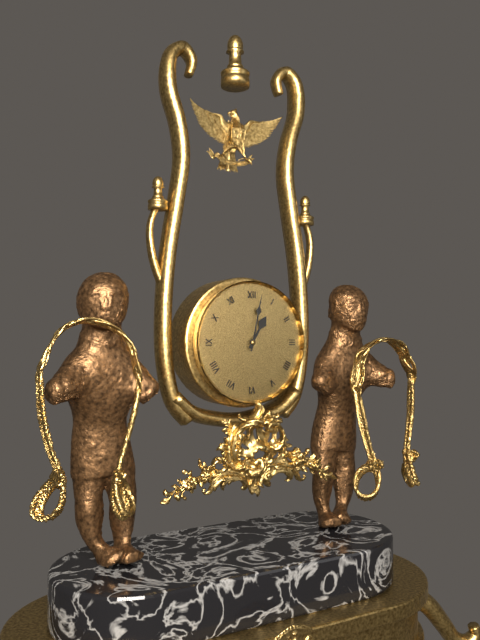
1 h 02 min
